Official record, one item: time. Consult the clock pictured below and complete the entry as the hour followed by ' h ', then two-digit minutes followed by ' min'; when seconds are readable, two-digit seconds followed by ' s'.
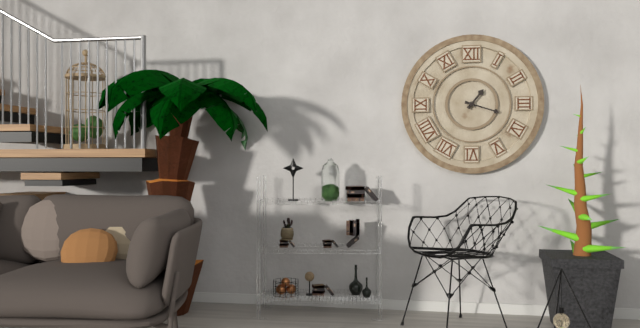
1 h 18 min
